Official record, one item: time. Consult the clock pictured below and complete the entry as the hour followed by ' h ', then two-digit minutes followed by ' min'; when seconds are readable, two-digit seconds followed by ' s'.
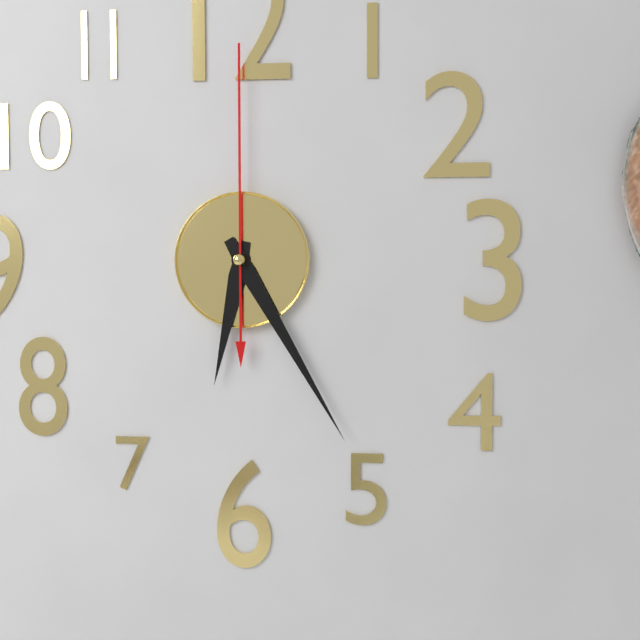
6 h 25 min 00 s
